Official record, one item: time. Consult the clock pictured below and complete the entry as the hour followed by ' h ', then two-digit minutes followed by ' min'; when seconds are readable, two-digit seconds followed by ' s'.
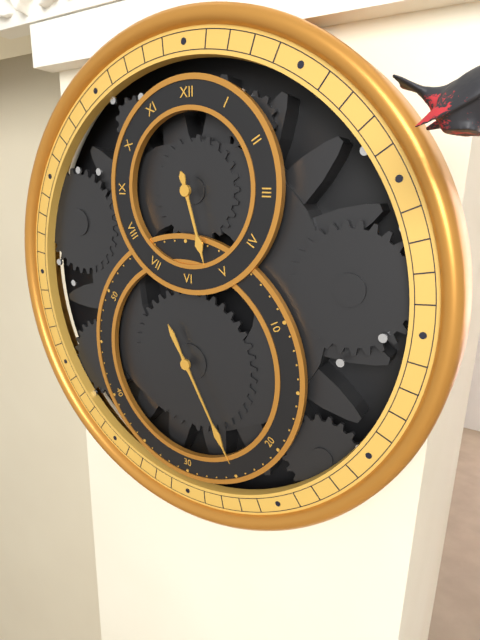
5 h 25 min
